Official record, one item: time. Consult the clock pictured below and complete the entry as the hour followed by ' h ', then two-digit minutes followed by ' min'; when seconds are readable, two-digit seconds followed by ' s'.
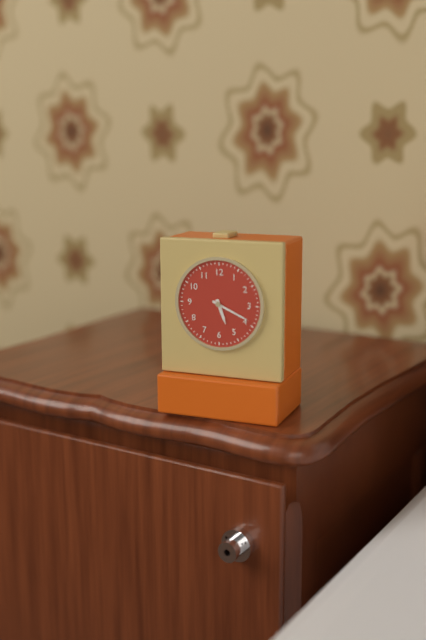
5 h 19 min
